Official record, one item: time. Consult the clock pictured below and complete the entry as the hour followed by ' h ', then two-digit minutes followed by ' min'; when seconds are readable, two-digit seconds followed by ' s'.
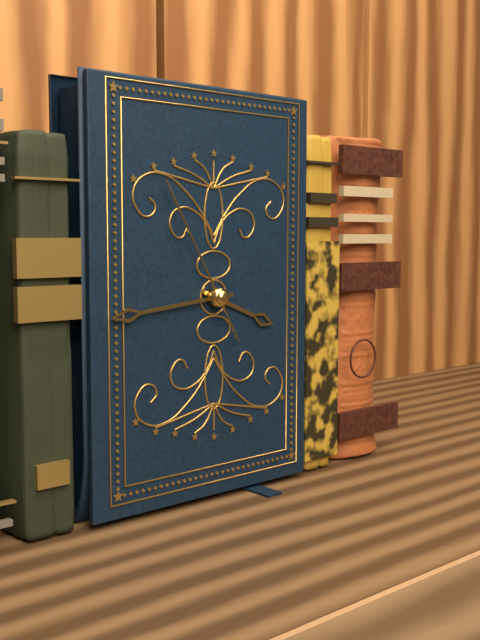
3 h 44 min 55 s
